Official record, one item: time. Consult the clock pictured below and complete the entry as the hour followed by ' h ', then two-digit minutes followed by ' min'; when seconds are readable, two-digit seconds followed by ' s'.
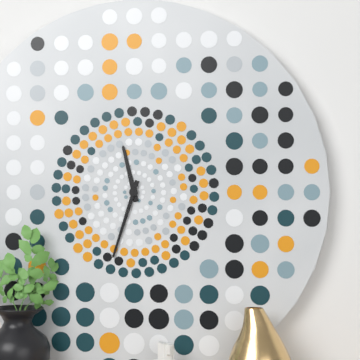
11 h 33 min
